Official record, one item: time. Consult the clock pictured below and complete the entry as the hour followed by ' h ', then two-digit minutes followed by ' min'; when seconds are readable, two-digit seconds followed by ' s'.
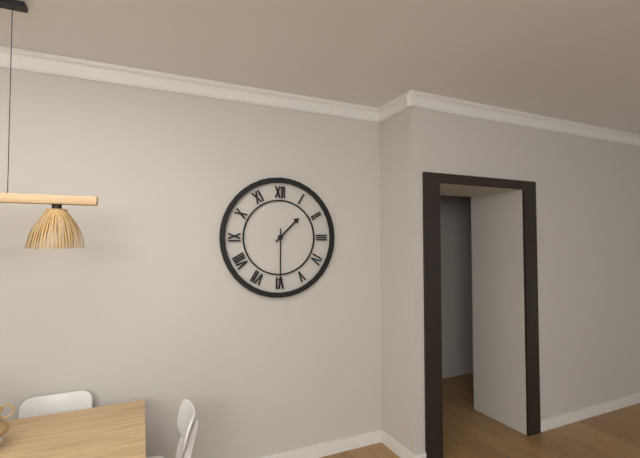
1 h 30 min
